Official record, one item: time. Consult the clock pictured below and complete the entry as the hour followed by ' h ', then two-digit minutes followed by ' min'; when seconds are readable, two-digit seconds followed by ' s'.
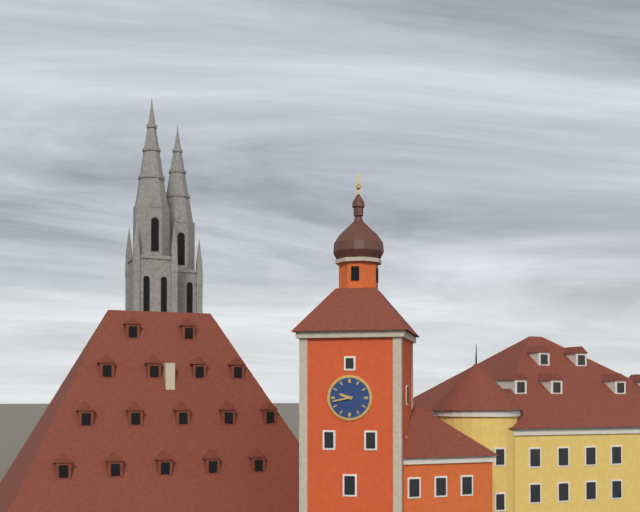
9 h 43 min
